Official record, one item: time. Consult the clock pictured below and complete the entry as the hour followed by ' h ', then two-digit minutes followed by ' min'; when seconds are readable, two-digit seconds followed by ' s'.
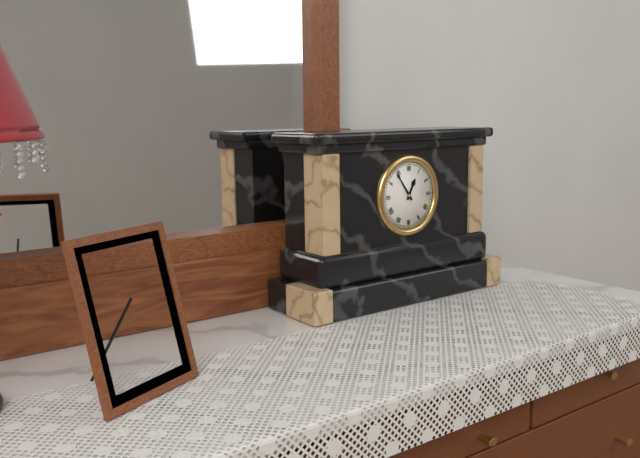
12 h 54 min
